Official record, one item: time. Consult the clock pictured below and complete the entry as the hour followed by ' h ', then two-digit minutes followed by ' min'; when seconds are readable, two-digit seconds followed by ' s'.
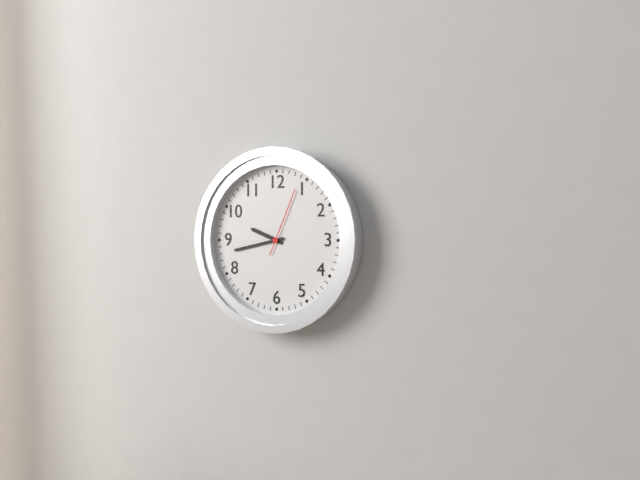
9 h 43 min 04 s
